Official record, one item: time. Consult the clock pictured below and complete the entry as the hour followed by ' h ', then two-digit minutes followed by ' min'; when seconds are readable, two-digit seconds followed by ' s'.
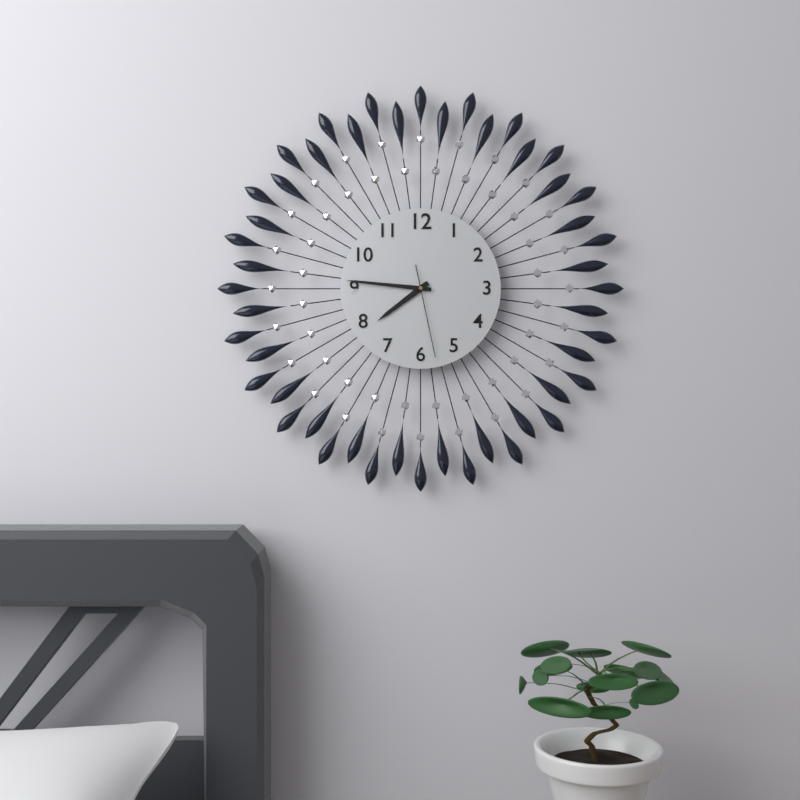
7 h 46 min 28 s
